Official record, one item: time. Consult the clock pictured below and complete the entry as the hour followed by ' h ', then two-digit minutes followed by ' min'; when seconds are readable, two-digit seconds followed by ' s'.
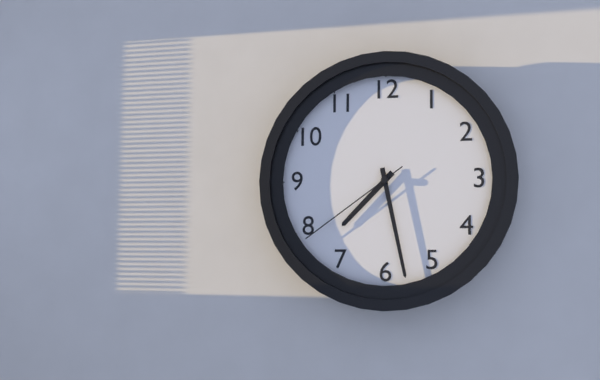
7 h 28 min 39 s
